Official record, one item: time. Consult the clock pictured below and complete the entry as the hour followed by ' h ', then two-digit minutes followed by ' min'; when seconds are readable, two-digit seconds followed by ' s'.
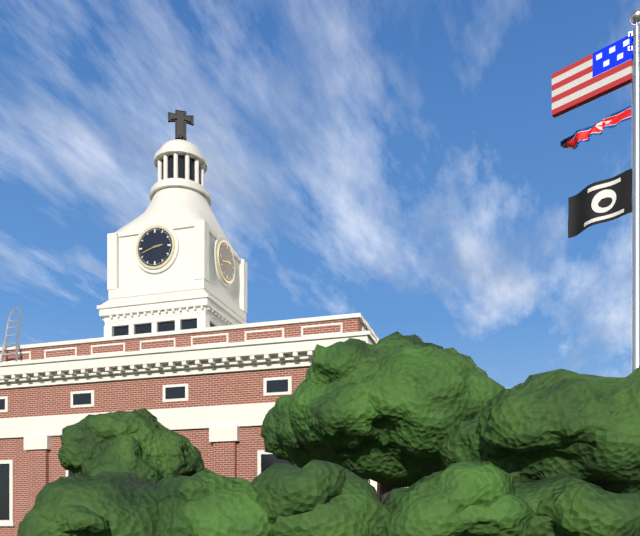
2 h 42 min
